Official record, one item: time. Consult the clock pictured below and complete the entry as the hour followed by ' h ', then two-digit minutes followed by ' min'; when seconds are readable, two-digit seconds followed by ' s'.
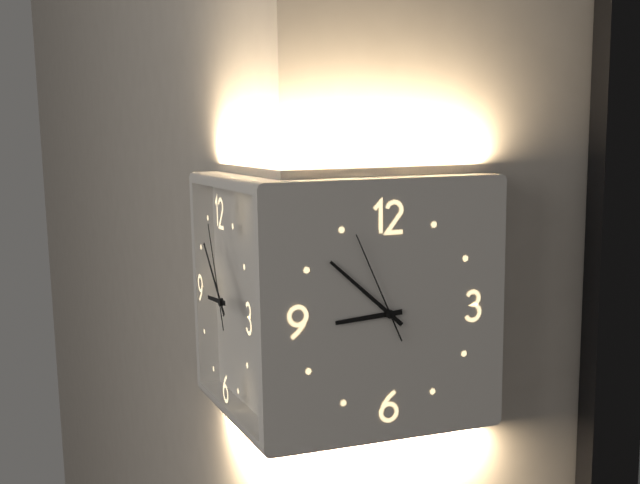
8 h 52 min 56 s
